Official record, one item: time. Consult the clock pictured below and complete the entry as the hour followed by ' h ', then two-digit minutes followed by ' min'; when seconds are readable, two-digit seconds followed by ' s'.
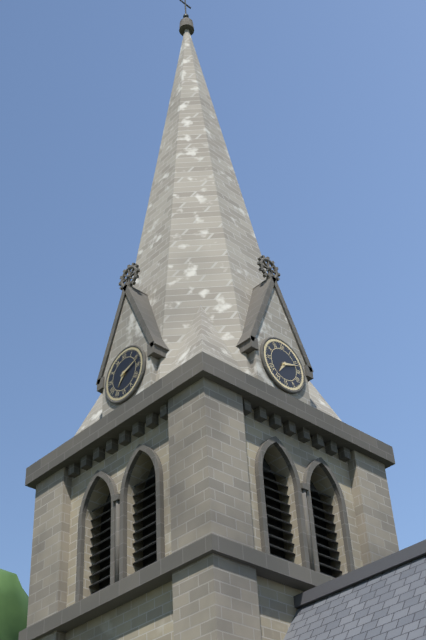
7 h 12 min
